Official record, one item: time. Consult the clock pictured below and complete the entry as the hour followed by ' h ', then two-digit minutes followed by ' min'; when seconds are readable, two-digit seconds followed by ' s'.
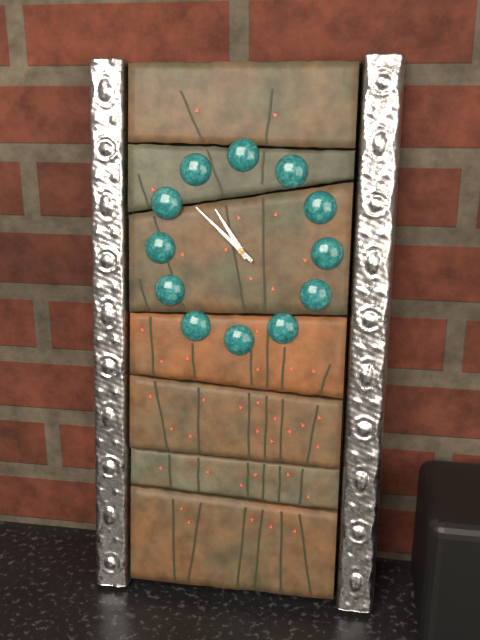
10 h 52 min
